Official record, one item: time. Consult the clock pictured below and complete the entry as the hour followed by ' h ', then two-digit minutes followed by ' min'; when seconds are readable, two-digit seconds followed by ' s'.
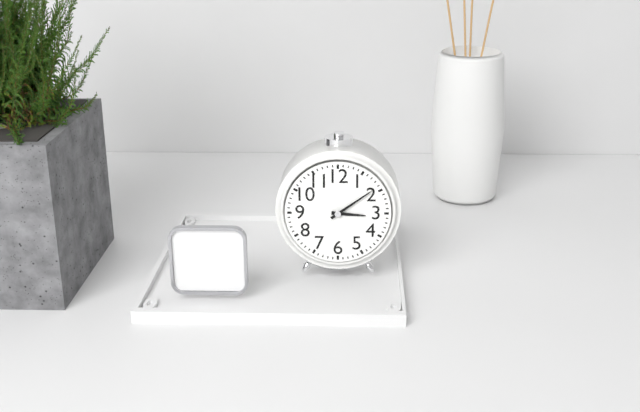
3 h 09 min
